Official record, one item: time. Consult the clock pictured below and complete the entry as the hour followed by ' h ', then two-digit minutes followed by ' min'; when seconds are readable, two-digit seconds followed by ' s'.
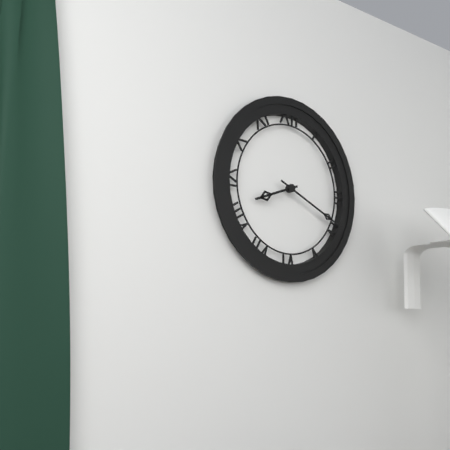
8 h 19 min
